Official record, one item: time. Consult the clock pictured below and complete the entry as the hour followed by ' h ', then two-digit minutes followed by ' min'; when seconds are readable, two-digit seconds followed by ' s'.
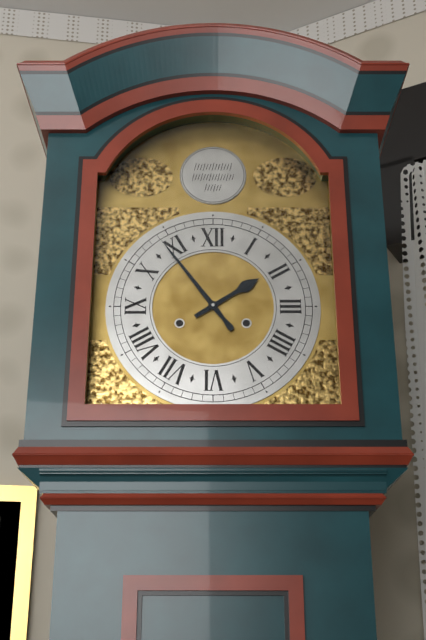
1 h 54 min
